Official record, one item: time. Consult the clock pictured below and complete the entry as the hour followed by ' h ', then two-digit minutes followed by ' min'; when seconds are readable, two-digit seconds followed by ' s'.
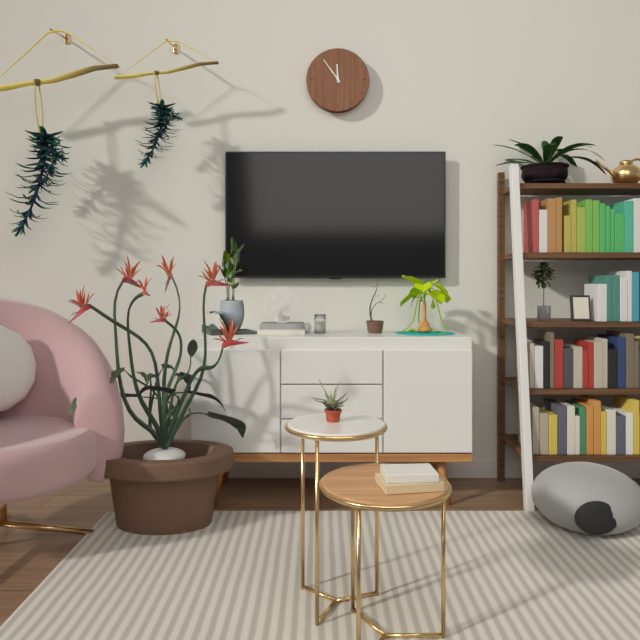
11 h 54 min
